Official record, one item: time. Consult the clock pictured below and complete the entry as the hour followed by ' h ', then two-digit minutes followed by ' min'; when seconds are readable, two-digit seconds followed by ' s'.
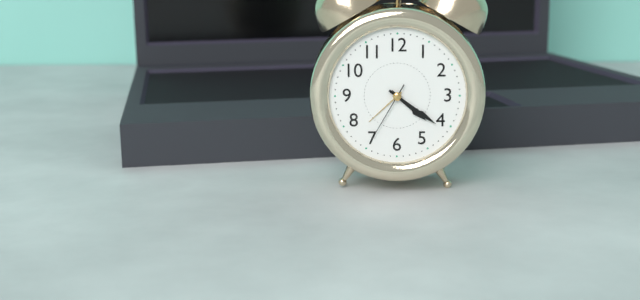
4 h 21 min 35 s
